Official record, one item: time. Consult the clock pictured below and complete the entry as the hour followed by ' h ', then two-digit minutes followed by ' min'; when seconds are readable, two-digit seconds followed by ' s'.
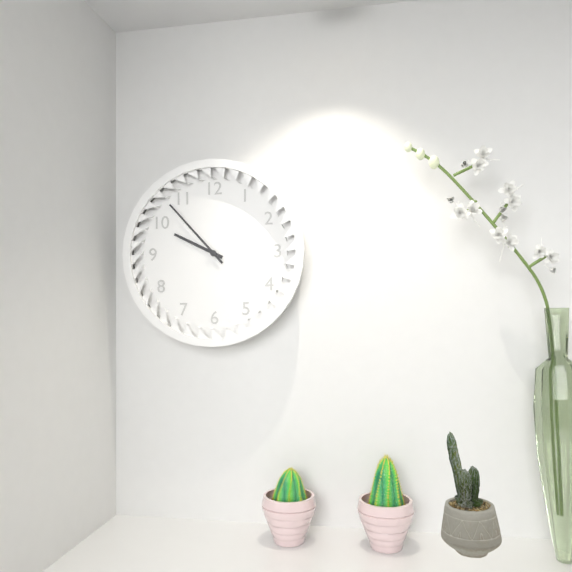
9 h 53 min
